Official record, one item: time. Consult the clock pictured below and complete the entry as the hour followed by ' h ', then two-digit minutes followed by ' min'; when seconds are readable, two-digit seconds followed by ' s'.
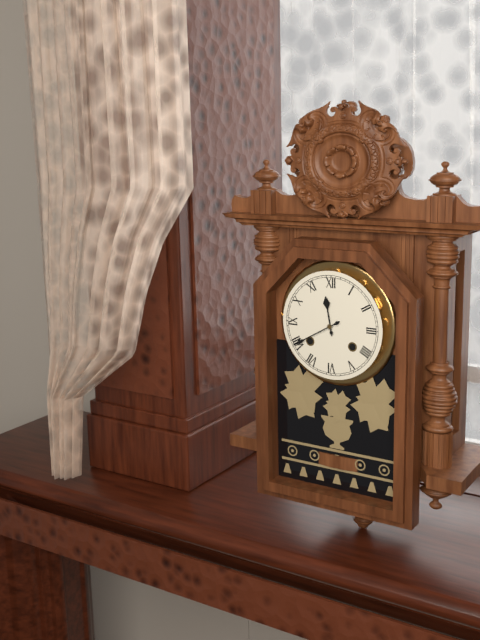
11 h 40 min
